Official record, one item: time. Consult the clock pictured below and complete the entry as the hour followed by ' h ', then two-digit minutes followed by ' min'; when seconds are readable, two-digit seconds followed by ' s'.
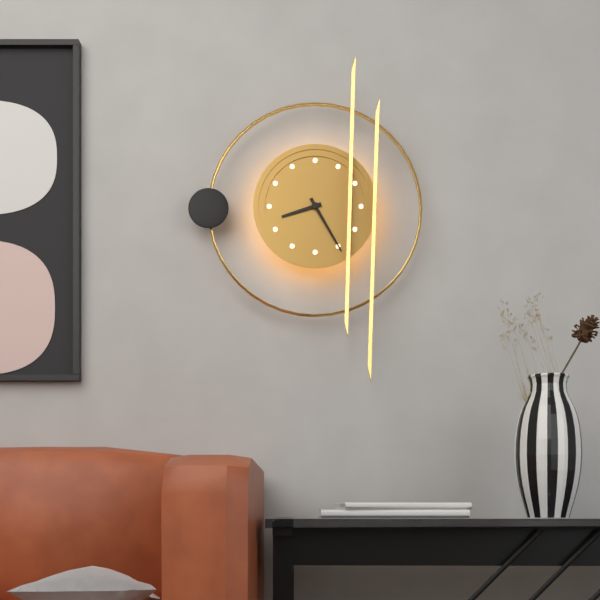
8 h 25 min
